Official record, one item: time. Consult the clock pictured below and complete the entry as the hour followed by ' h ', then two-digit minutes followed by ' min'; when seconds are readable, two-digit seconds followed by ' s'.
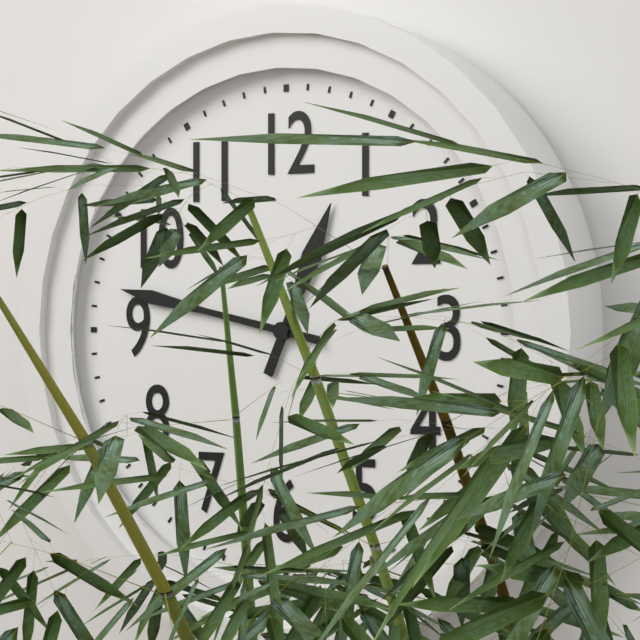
12 h 47 min
